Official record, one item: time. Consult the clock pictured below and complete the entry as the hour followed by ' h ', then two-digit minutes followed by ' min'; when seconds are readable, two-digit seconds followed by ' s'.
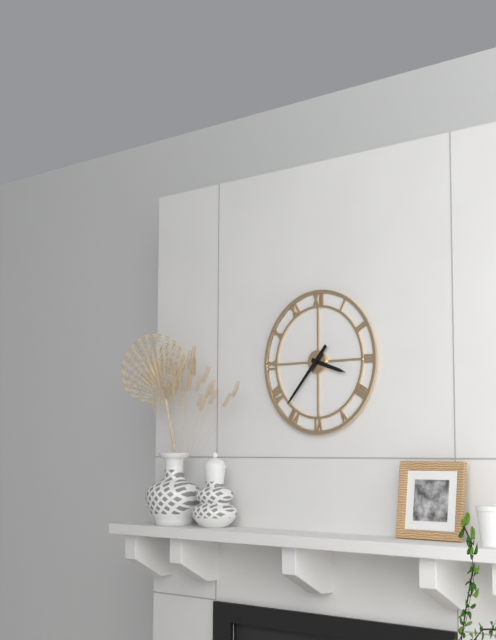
3 h 37 min
